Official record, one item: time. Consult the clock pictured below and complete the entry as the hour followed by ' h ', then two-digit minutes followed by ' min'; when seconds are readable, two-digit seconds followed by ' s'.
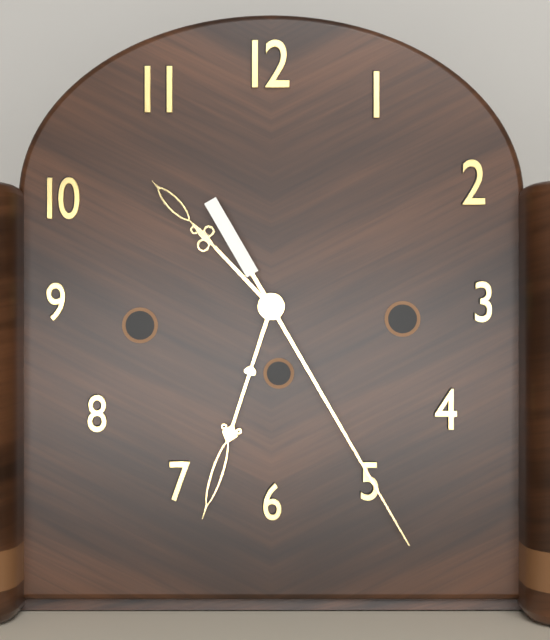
10 h 33 min 25 s
